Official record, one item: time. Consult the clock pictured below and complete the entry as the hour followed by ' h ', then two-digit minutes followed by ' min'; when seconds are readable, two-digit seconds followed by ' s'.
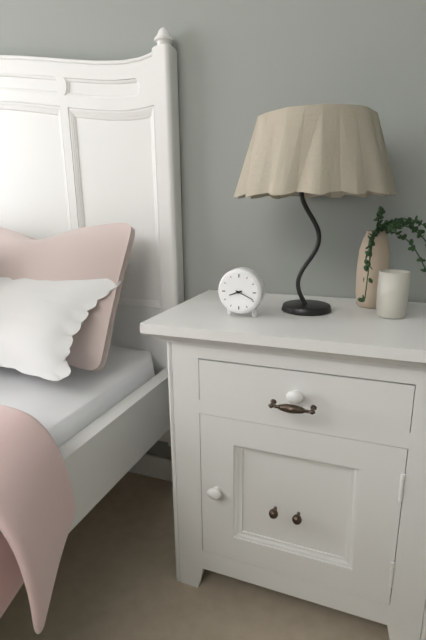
8 h 19 min
